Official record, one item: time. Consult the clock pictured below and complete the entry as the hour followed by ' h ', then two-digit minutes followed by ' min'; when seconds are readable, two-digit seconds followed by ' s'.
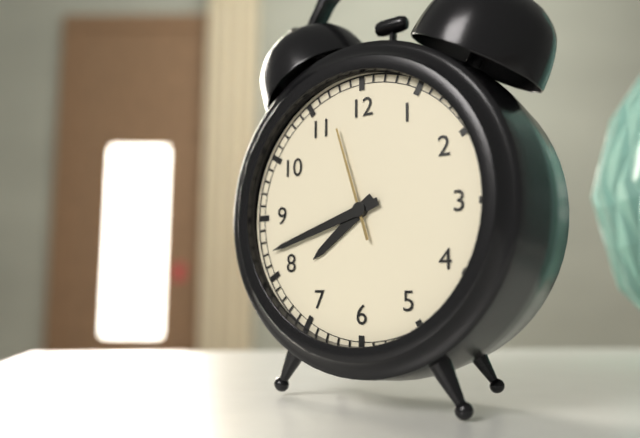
7 h 42 min 57 s
